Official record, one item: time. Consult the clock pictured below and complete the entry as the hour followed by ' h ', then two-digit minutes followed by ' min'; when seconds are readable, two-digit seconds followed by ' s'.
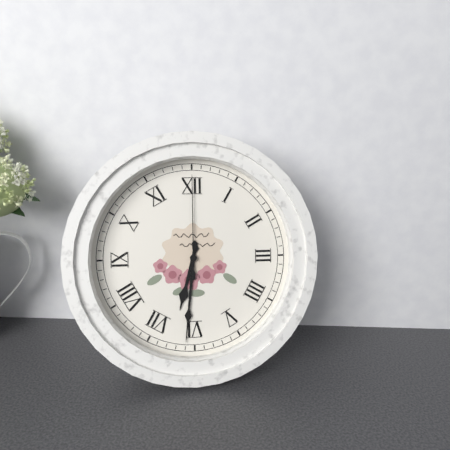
6 h 31 min 00 s
